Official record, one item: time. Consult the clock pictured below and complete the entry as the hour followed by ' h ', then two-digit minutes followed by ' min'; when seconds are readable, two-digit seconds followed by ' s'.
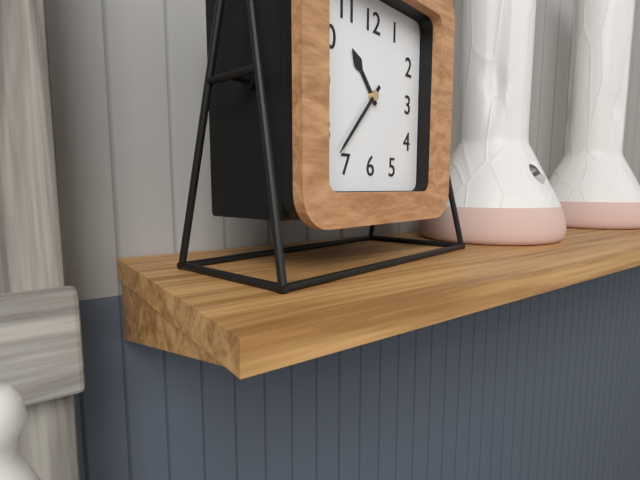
10 h 37 min
